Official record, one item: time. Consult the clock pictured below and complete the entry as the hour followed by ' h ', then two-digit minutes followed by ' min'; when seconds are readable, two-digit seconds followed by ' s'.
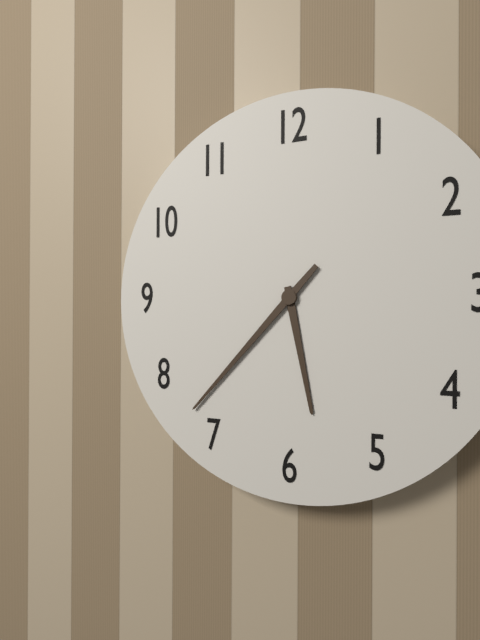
5 h 37 min
